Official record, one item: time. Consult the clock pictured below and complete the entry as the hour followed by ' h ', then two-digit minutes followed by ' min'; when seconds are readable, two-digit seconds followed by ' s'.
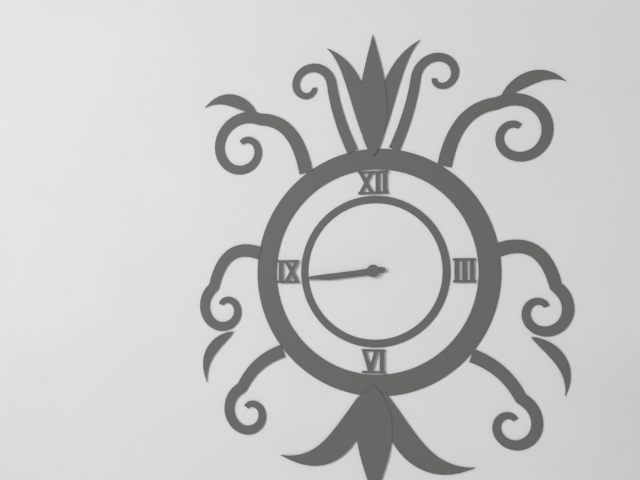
8 h 44 min
